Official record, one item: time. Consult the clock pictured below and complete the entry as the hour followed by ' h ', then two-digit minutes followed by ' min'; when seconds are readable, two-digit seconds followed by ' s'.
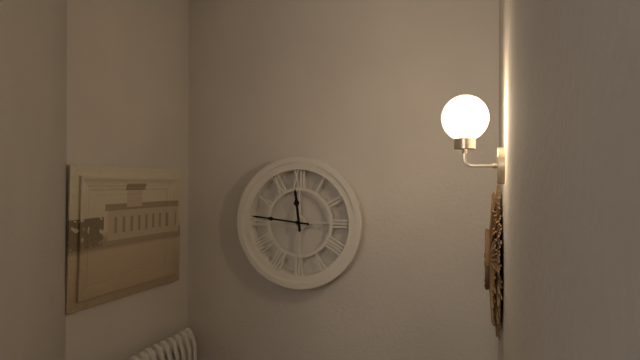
11 h 46 min
